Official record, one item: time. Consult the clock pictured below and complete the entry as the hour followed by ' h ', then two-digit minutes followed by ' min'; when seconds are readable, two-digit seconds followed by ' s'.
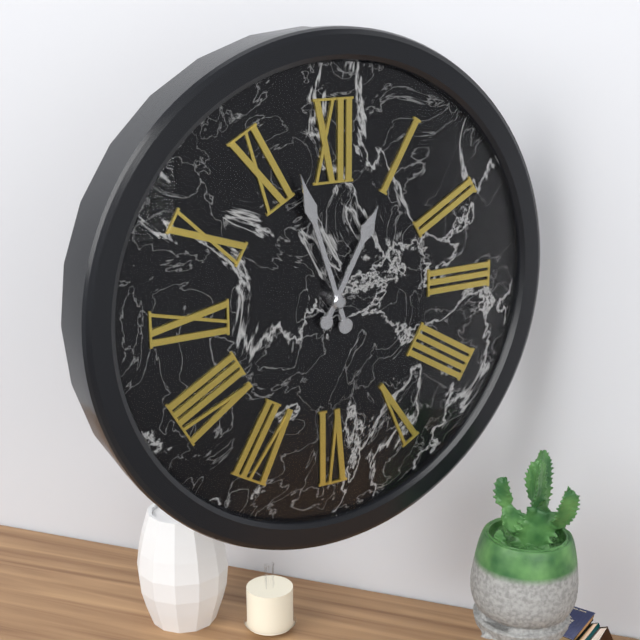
12 h 57 min
